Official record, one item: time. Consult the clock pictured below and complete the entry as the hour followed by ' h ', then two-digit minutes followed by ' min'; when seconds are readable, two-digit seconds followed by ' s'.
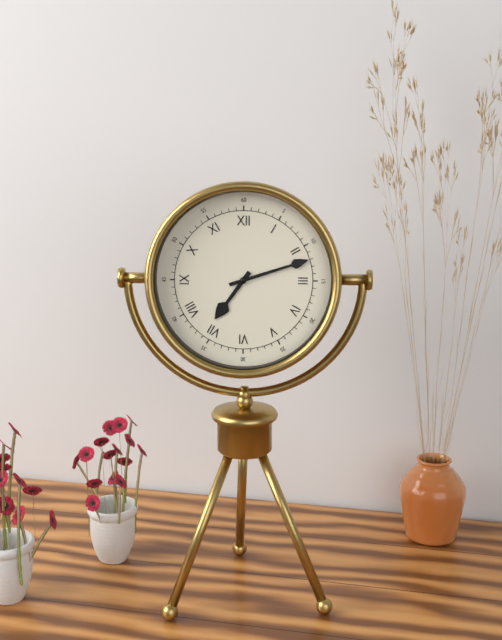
7 h 12 min
